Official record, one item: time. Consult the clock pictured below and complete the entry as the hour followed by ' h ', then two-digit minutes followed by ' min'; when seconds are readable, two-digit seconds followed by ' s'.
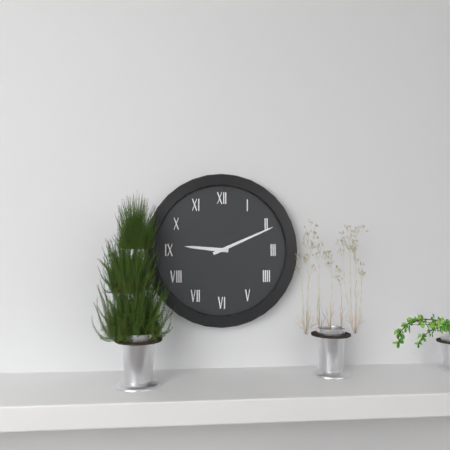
9 h 11 min
